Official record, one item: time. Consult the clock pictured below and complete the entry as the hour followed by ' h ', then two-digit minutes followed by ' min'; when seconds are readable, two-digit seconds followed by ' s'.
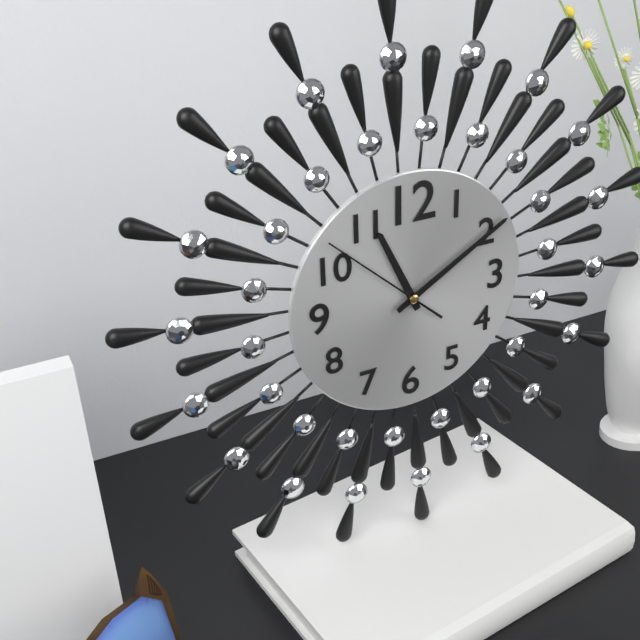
11 h 10 min 52 s
